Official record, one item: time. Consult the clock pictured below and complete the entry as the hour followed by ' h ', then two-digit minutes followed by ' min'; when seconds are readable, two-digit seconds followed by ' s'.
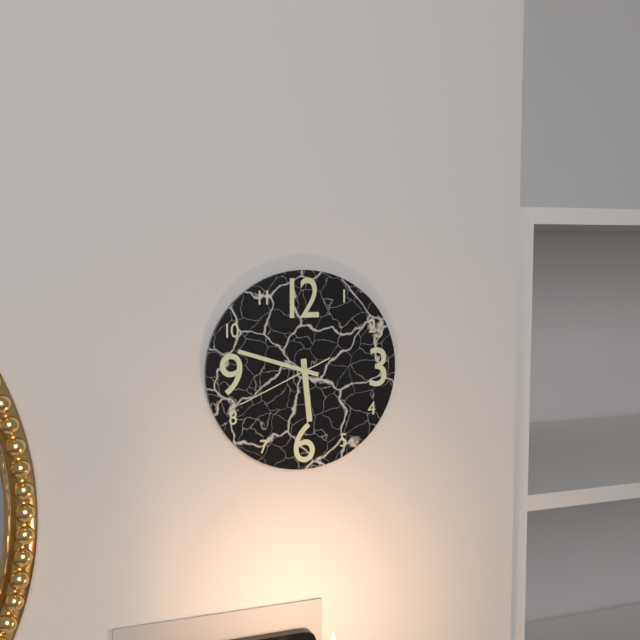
5 h 48 min 41 s
